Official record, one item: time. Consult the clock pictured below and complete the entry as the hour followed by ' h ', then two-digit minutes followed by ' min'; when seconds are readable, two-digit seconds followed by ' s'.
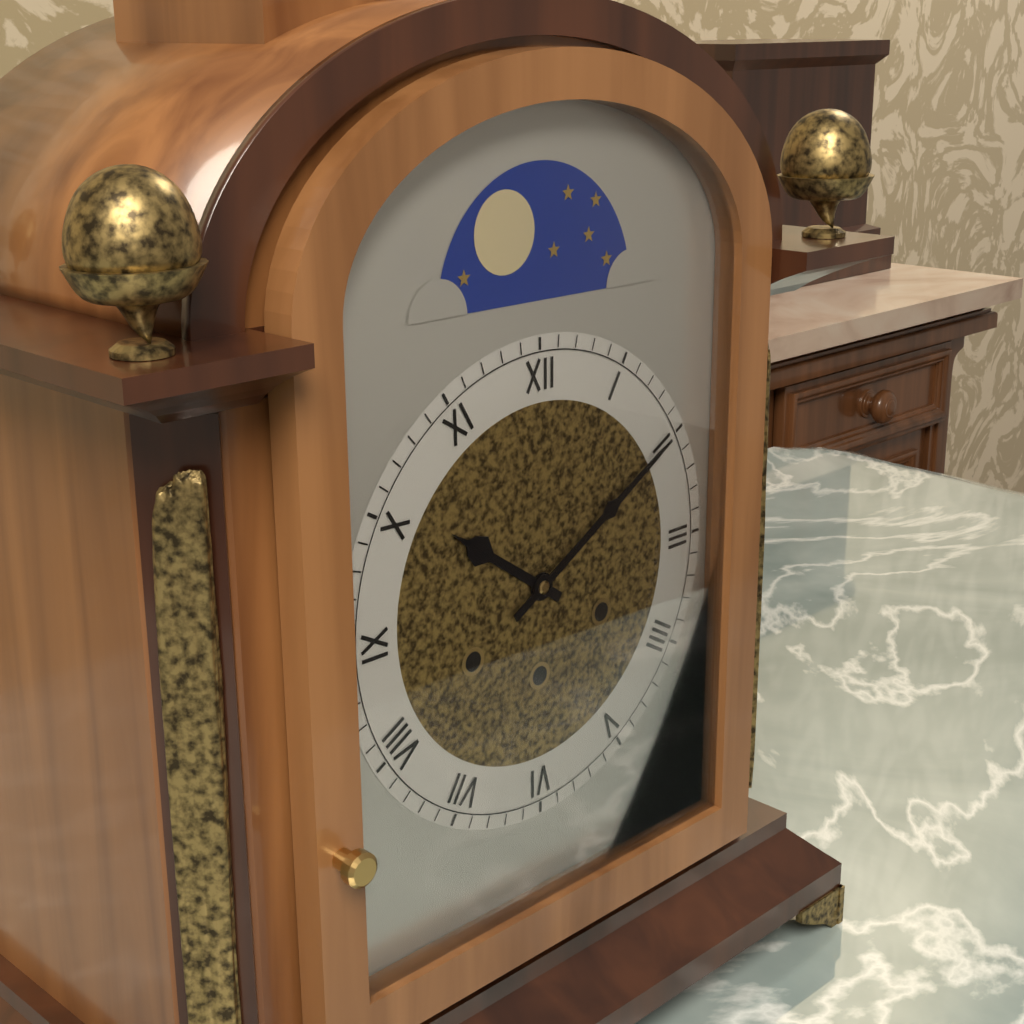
10 h 10 min
